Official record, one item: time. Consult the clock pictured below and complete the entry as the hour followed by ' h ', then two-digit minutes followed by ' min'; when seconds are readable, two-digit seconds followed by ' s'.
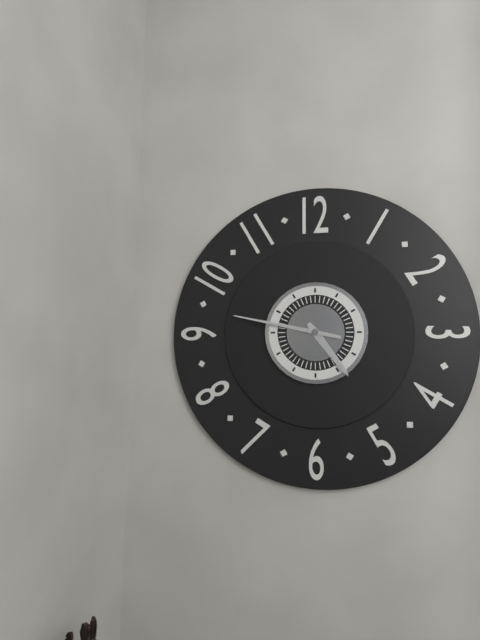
4 h 47 min
